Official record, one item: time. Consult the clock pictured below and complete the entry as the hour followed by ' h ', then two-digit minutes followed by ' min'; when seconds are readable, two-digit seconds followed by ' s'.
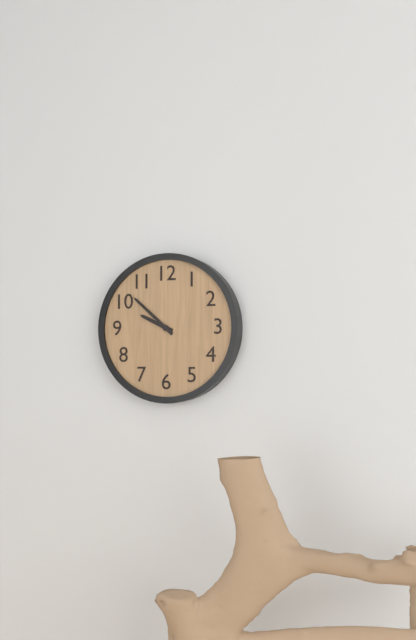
9 h 52 min
